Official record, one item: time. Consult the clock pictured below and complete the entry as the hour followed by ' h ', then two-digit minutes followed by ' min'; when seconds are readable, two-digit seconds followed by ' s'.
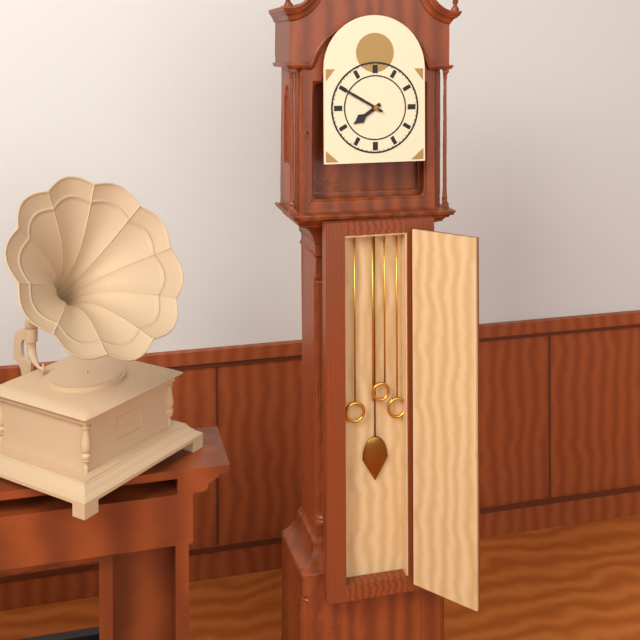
7 h 50 min
